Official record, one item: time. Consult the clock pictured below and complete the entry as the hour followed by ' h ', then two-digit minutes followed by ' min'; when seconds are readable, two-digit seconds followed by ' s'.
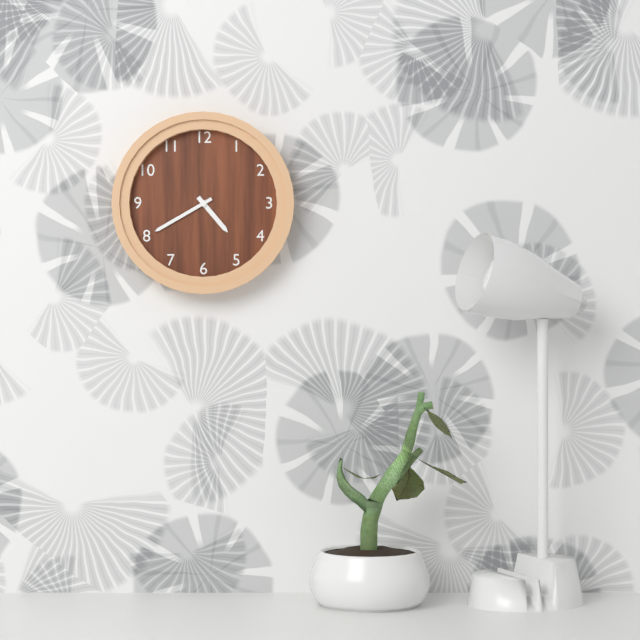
4 h 40 min
